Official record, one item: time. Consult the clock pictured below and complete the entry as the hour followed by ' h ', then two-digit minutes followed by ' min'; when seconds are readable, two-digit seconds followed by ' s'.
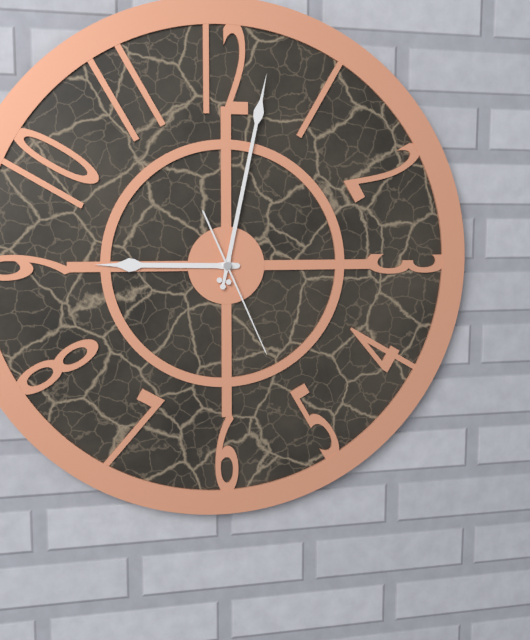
9 h 02 min 26 s
